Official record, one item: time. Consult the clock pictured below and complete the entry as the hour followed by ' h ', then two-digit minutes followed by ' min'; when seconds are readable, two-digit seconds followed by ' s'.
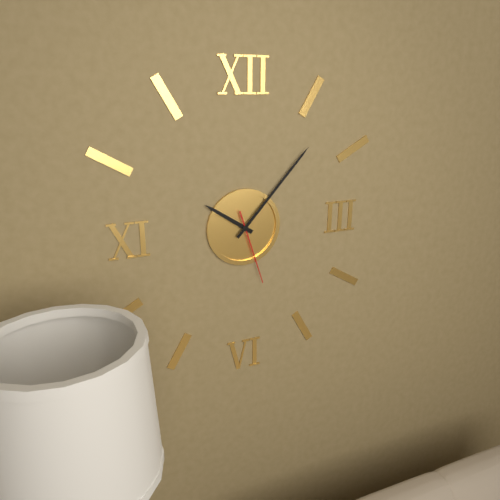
10 h 07 min 27 s
